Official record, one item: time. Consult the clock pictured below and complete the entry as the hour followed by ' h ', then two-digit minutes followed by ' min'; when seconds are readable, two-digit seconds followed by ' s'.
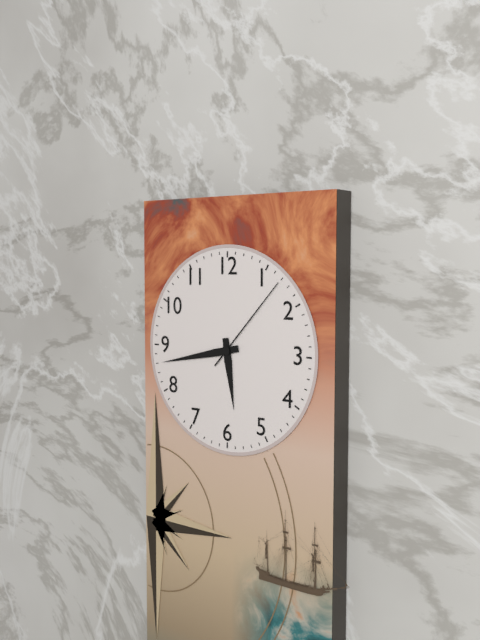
5 h 43 min 07 s
